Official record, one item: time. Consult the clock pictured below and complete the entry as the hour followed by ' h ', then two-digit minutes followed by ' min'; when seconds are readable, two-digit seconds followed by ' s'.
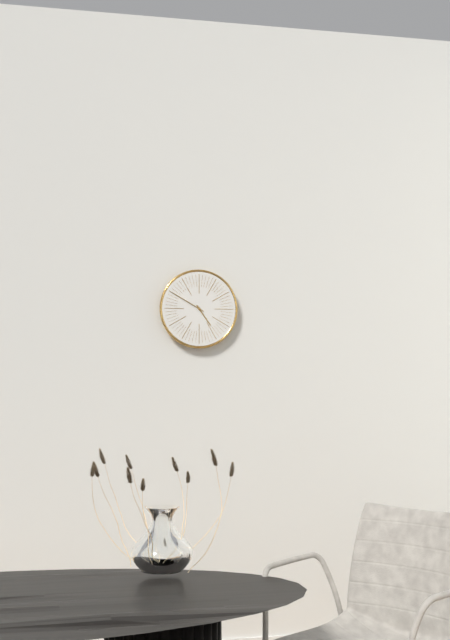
4 h 50 min
